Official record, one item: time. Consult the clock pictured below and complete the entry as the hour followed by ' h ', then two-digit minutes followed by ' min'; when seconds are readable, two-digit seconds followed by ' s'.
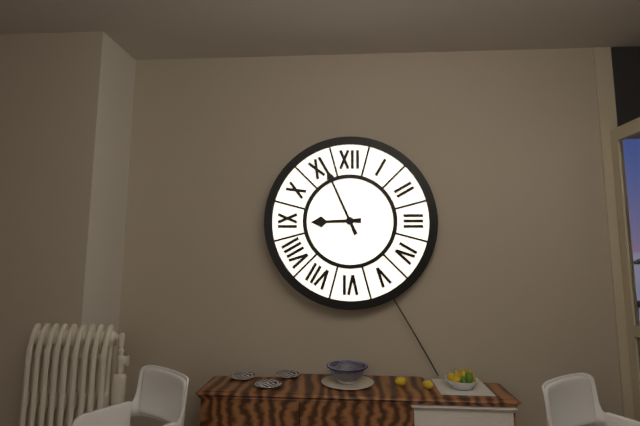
8 h 56 min
